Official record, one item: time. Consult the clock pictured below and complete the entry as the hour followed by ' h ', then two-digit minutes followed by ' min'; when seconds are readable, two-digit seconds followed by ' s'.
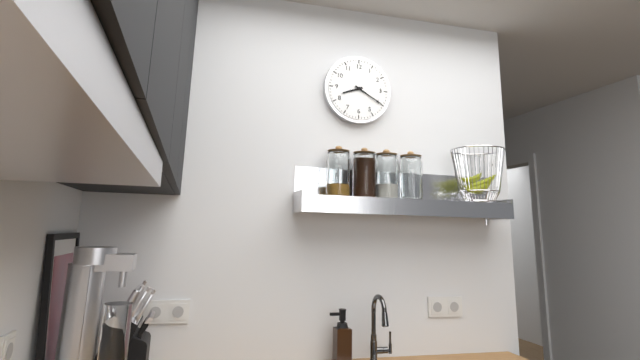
8 h 20 min
